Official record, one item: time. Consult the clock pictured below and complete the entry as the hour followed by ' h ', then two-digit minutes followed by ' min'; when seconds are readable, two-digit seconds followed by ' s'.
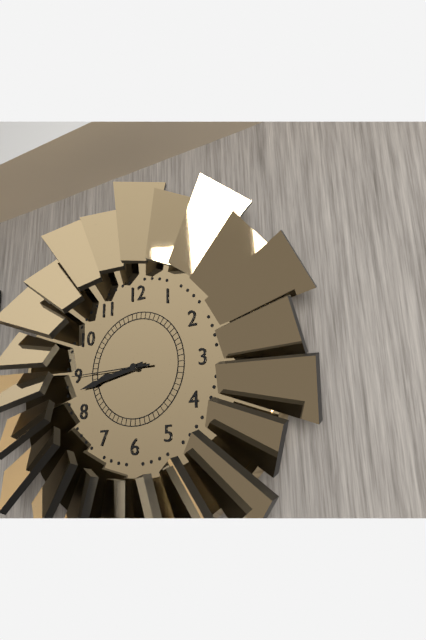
8 h 43 min 45 s
